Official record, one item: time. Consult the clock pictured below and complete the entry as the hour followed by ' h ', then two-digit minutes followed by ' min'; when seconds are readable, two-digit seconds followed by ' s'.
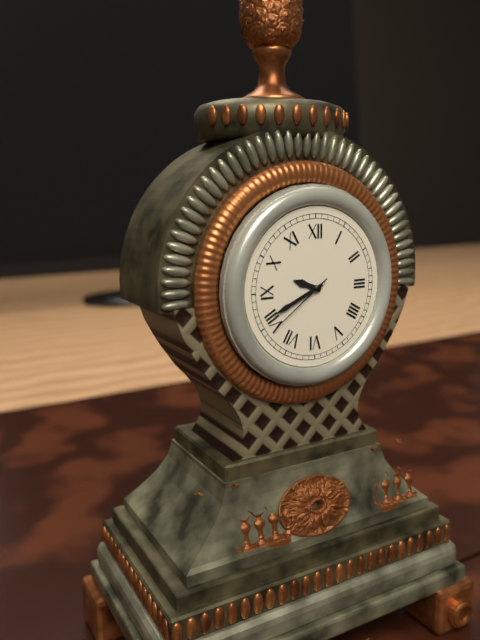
9 h 41 min 39 s
